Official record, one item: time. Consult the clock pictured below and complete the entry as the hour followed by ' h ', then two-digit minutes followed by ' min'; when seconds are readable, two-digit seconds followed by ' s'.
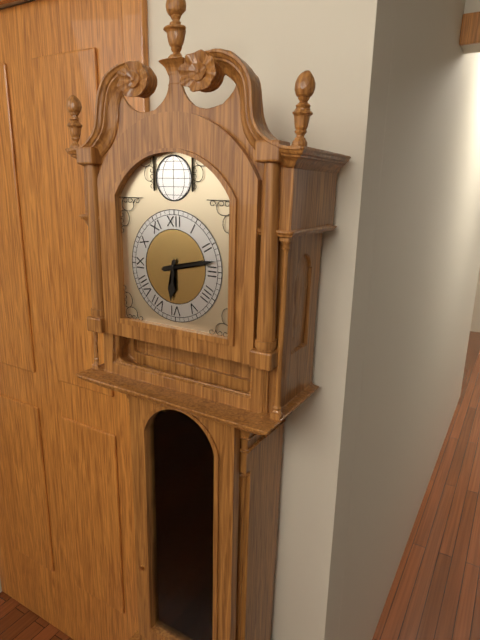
6 h 13 min
